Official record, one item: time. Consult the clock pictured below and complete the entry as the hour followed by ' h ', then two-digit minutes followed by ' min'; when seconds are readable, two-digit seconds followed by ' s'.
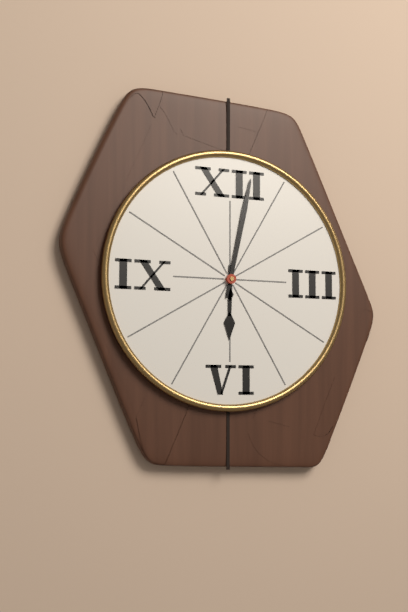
6 h 02 min
